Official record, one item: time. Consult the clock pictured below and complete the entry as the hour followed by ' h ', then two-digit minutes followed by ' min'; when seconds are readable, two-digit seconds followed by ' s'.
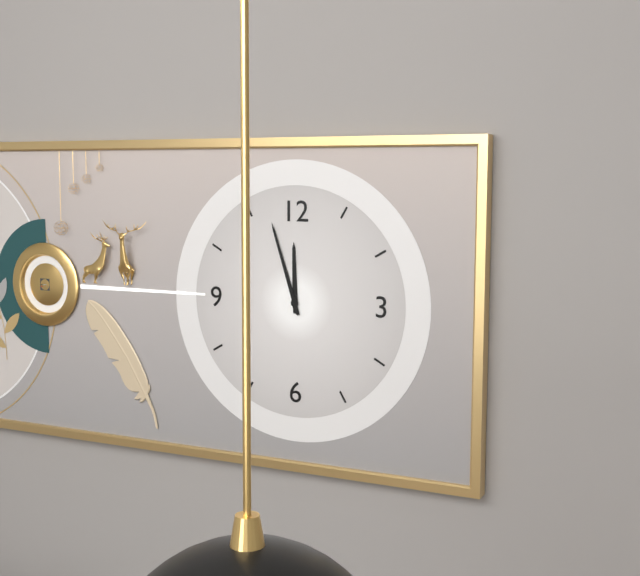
11 h 57 min
